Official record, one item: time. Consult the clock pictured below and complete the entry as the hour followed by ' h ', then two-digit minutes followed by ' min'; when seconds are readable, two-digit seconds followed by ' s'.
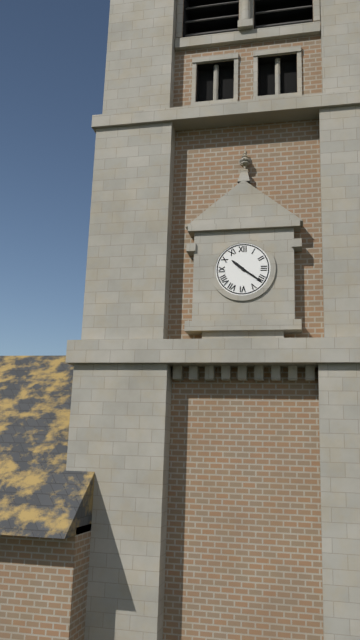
10 h 21 min
